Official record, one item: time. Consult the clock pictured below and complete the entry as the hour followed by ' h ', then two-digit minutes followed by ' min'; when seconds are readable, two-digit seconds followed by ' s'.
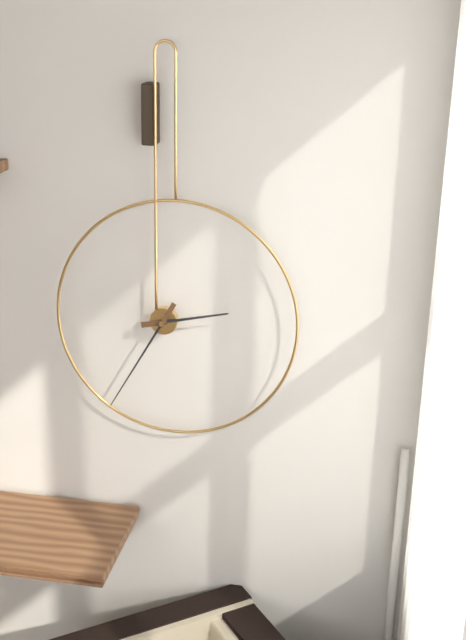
2 h 35 min
